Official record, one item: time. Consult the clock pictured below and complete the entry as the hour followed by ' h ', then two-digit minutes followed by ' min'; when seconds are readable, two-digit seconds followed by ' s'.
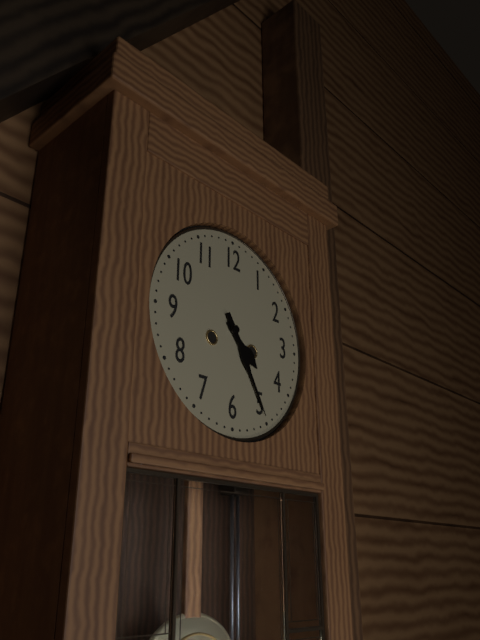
4 h 25 min
